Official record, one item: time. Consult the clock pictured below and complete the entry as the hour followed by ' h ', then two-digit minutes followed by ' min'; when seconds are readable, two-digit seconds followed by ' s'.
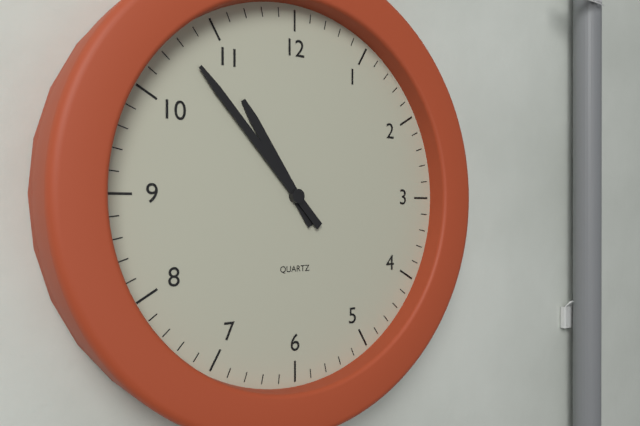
10 h 53 min
